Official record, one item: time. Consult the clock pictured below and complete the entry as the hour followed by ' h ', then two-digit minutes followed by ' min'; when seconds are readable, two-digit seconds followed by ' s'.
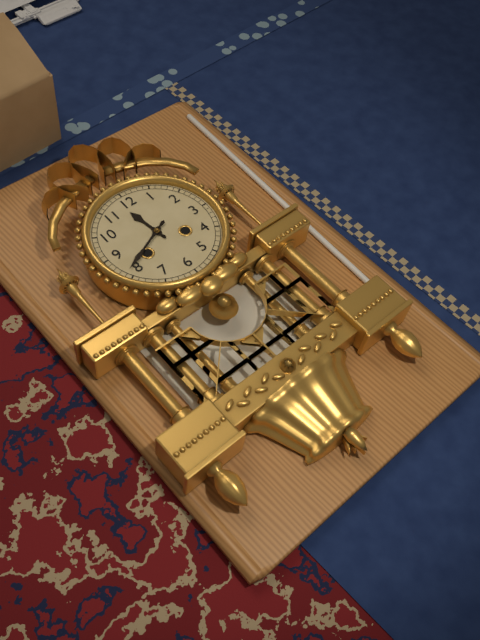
11 h 41 min
